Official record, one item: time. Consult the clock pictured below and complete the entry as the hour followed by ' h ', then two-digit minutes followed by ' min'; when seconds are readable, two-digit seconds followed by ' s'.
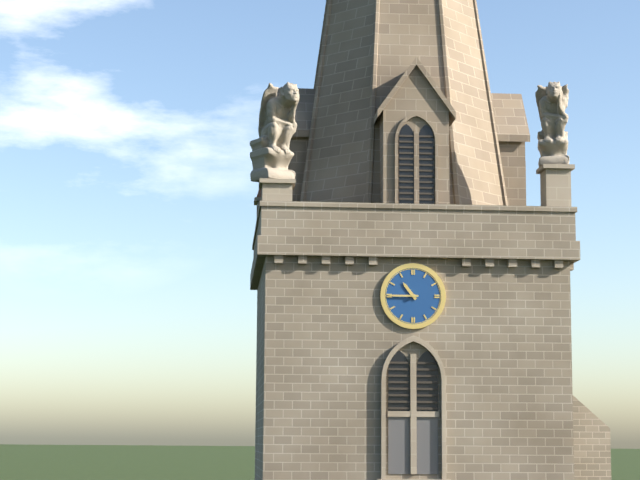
10 h 45 min
